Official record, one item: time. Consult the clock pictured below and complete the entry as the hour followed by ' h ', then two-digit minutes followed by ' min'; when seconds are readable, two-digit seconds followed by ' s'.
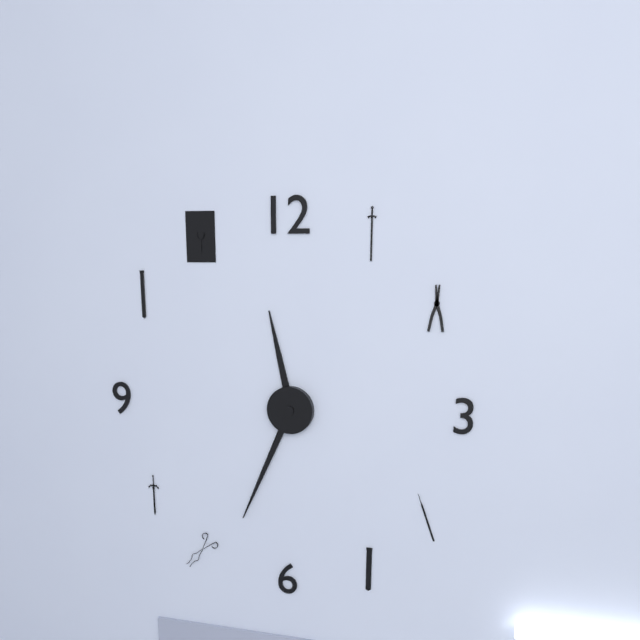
11 h 34 min
